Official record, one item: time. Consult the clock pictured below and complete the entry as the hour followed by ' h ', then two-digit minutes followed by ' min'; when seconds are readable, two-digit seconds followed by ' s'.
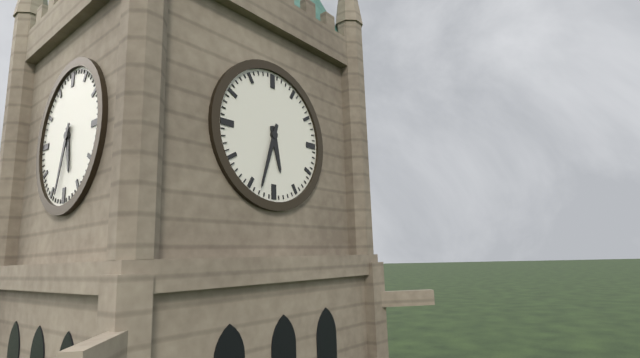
5 h 33 min
